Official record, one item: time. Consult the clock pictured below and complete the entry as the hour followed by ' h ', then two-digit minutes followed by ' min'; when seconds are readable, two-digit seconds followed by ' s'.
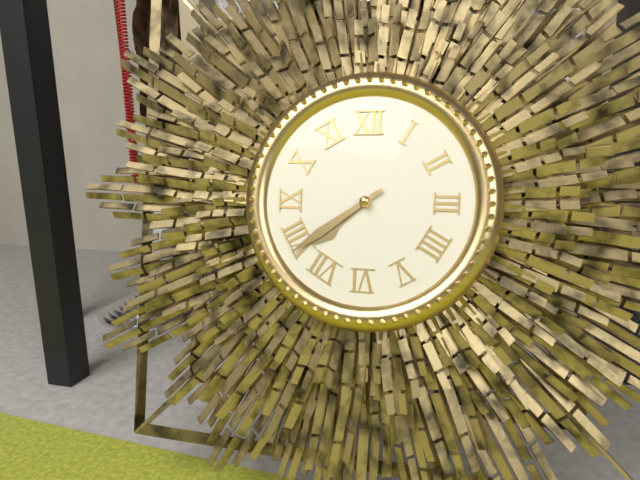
7 h 39 min
